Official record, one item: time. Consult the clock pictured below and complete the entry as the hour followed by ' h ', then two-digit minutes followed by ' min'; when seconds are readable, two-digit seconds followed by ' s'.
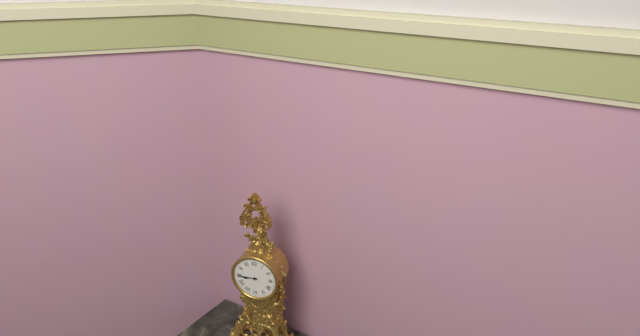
8 h 45 min
